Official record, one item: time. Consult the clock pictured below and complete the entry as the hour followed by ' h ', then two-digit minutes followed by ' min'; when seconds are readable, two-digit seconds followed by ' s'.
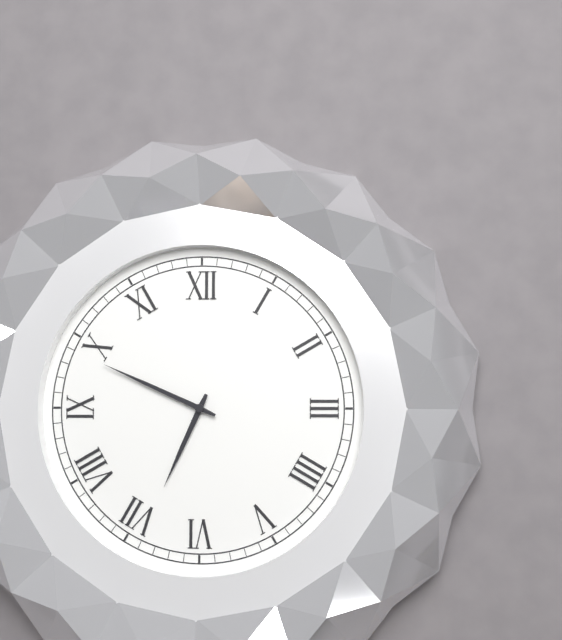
6 h 49 min
